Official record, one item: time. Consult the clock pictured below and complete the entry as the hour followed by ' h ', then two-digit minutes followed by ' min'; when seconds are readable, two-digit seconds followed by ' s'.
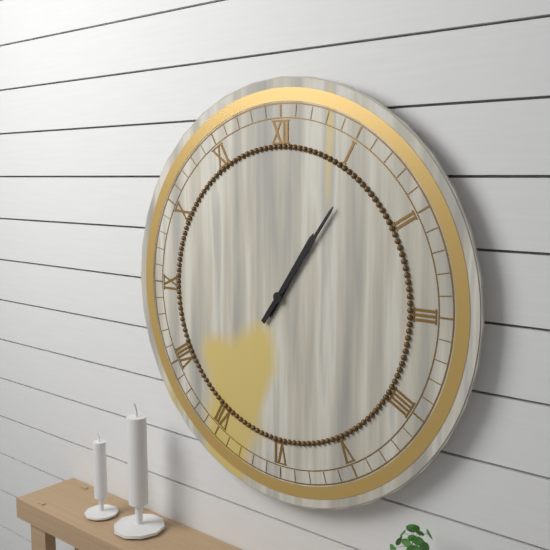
1 h 06 min
